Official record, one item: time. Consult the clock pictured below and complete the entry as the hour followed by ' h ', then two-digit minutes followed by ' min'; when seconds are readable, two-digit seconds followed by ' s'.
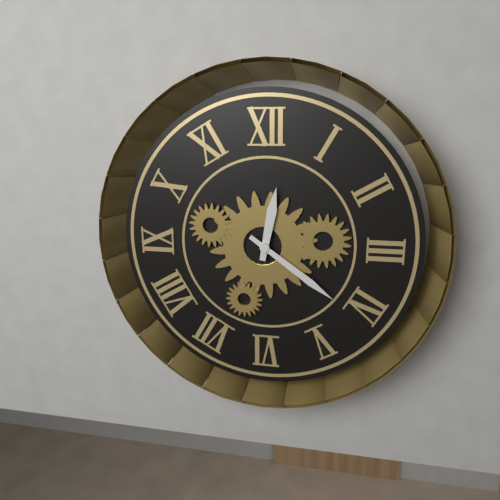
12 h 21 min
